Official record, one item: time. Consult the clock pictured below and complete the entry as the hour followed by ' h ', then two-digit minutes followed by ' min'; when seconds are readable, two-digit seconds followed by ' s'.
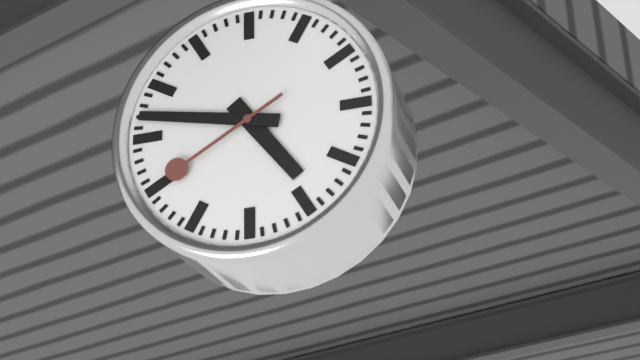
4 h 47 min 40 s
